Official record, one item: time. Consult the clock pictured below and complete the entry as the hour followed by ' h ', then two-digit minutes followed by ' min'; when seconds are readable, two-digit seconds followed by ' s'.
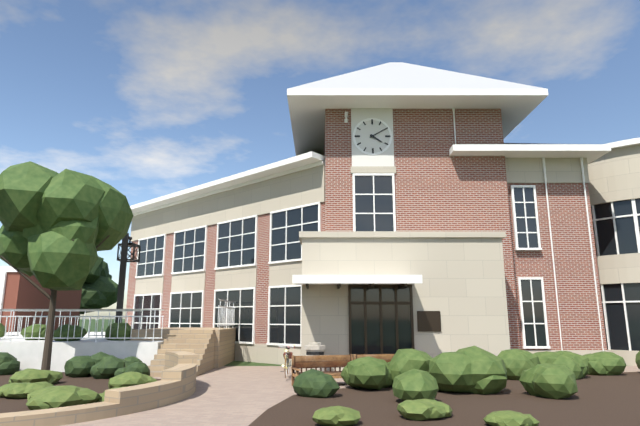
4 h 10 min
